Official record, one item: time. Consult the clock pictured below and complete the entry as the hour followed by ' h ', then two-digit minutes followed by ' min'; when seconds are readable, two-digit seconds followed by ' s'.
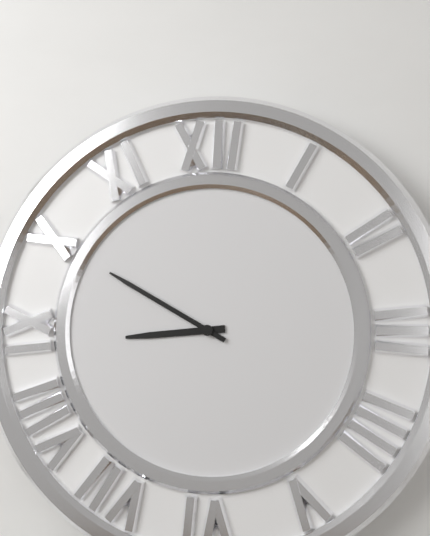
8 h 50 min
